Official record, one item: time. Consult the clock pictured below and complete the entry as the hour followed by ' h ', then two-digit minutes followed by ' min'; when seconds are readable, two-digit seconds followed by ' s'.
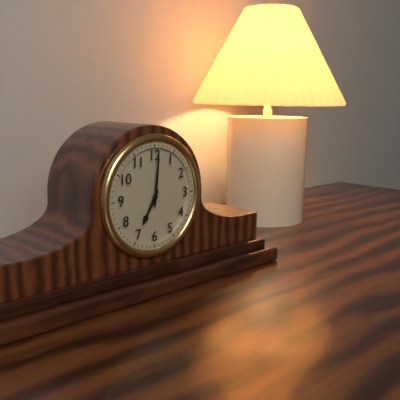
7 h 01 min
